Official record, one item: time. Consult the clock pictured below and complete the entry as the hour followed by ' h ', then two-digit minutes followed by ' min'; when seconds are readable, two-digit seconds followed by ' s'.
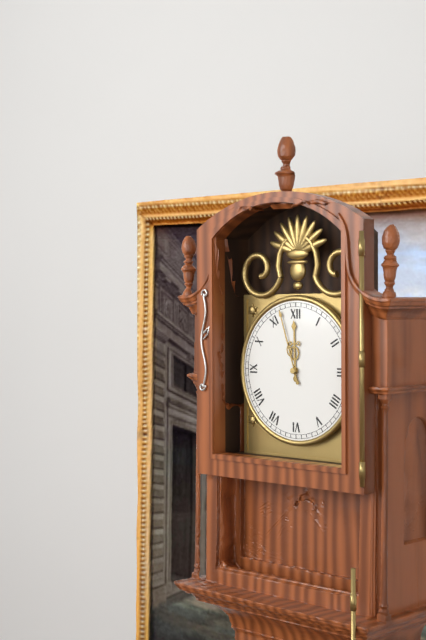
11 h 57 min
